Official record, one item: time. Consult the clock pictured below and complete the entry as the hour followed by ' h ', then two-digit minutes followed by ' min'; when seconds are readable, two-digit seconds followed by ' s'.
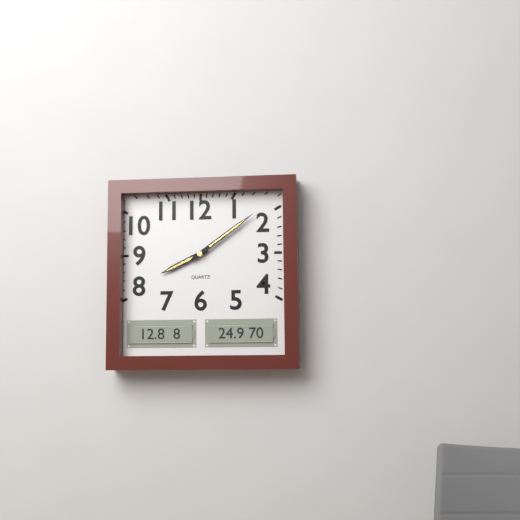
8 h 09 min
